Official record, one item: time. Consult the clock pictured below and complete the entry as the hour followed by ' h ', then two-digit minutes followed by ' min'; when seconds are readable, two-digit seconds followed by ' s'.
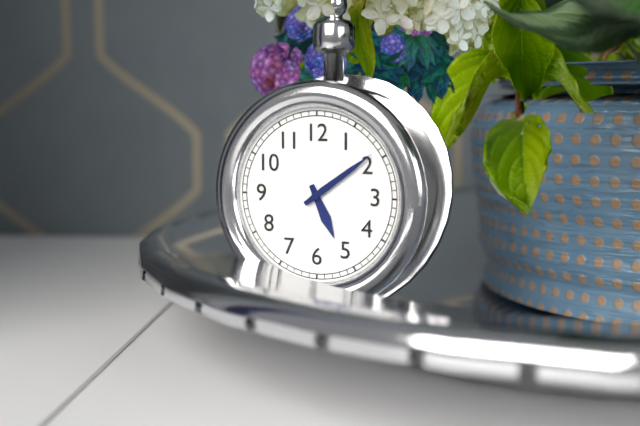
5 h 09 min
